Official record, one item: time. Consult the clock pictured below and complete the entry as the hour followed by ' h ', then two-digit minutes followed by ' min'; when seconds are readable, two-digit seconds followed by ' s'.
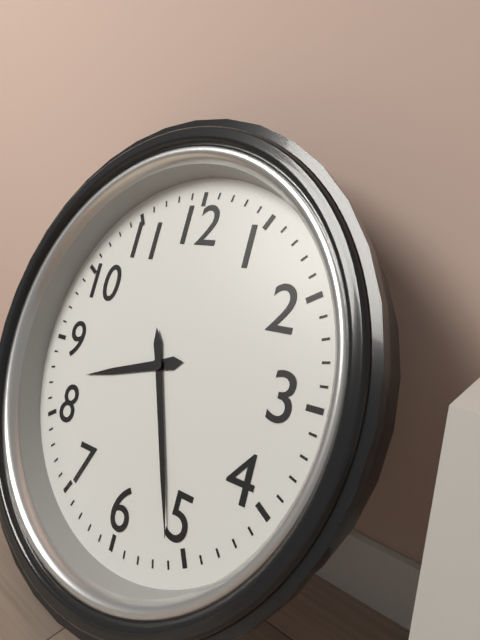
8 h 26 min
